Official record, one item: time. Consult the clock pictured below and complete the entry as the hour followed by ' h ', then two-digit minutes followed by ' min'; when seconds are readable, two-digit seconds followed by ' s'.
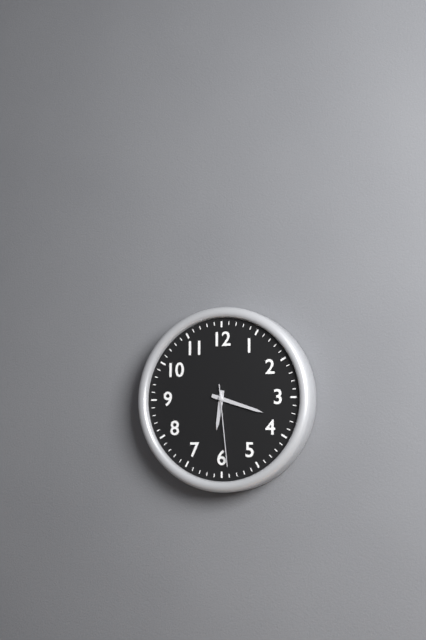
6 h 18 min 29 s
